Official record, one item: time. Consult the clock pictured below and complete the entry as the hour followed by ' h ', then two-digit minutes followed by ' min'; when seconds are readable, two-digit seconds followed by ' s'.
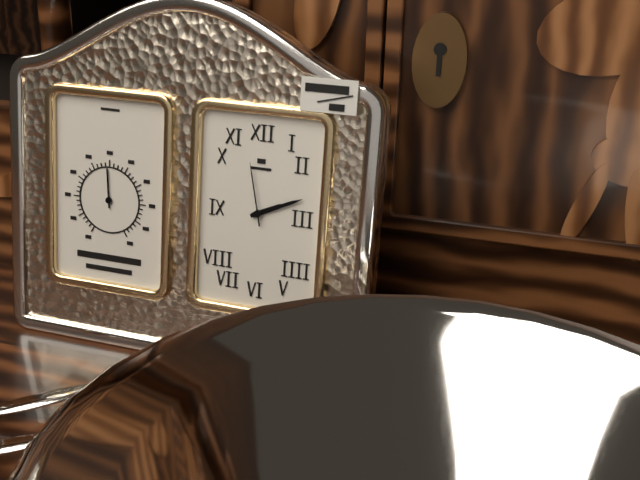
2 h 11 min 58 s
